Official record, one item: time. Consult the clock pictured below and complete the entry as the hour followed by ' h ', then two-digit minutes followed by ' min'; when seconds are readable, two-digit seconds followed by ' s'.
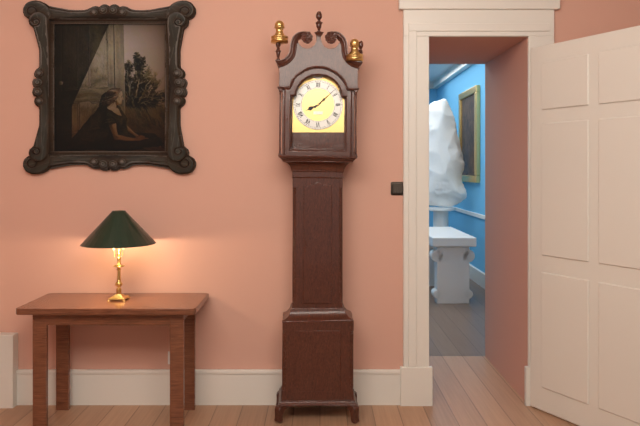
8 h 08 min
